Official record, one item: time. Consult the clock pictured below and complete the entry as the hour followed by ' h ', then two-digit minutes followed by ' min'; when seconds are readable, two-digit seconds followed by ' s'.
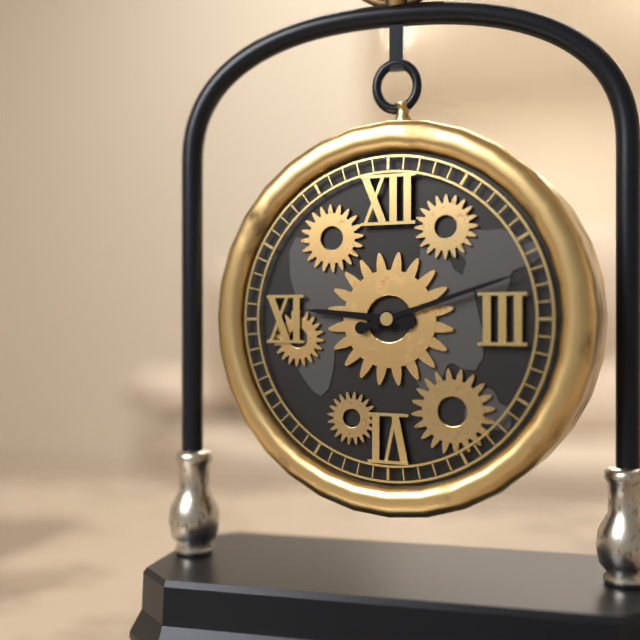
9 h 12 min
